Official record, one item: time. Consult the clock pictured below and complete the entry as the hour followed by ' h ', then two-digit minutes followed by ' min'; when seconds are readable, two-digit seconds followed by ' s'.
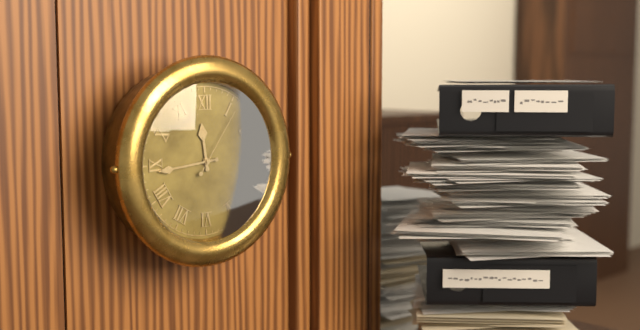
11 h 44 min 06 s
